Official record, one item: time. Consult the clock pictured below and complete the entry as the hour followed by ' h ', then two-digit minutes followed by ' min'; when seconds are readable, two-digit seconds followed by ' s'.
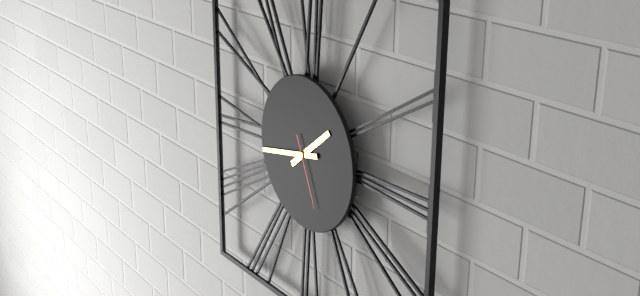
1 h 43 min 26 s
